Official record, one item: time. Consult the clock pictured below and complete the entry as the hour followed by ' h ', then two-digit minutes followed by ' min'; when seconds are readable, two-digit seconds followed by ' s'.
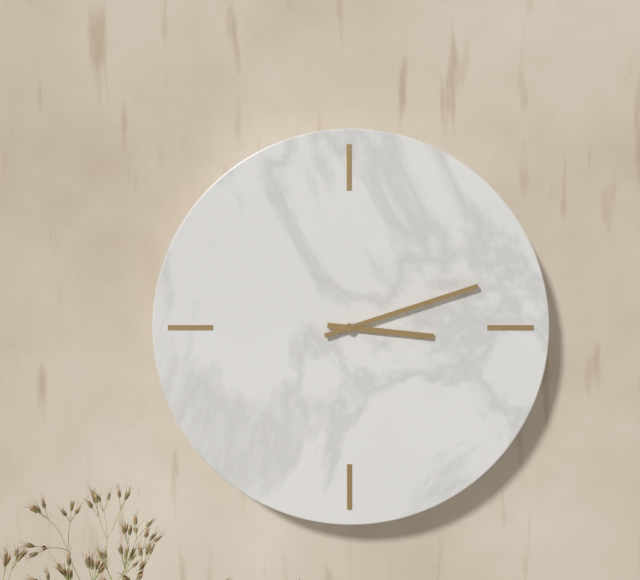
3 h 12 min
